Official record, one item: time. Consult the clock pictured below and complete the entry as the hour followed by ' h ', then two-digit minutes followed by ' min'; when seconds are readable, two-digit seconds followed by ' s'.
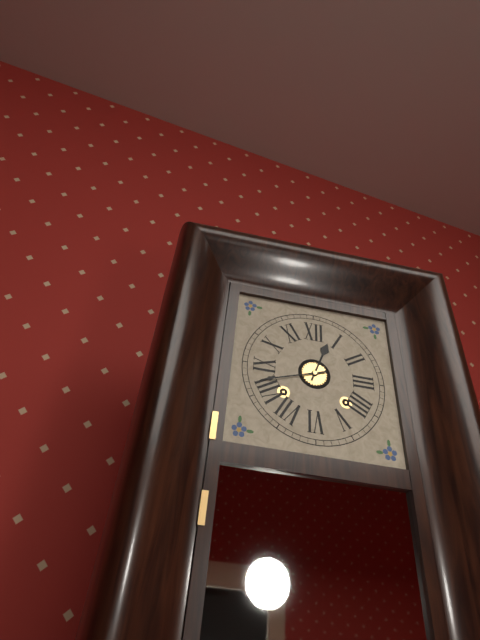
12 h 42 min
